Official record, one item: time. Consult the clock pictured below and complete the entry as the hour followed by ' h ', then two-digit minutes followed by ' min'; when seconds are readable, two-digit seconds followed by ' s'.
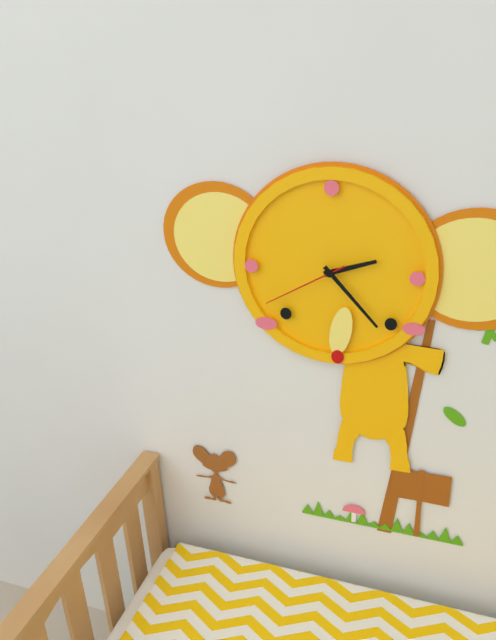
2 h 23 min 40 s
